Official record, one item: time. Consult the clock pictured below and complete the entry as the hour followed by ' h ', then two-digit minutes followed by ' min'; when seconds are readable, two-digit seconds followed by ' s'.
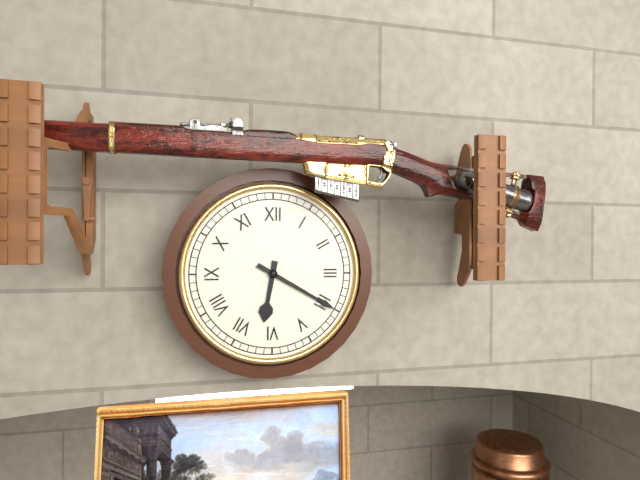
6 h 20 min
